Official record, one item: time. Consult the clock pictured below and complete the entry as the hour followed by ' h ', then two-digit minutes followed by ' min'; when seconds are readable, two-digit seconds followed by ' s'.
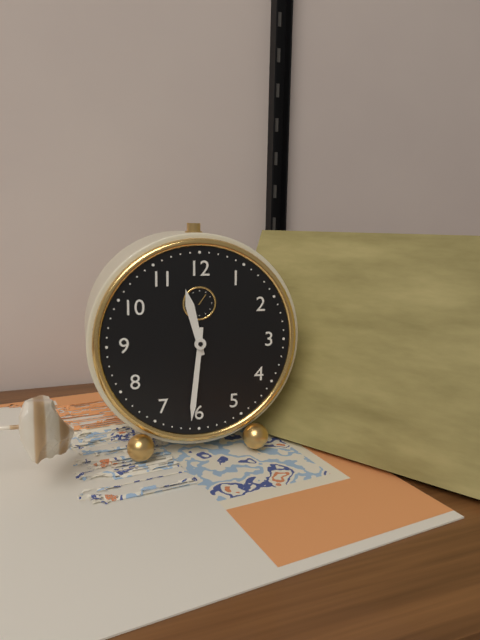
11 h 31 min
